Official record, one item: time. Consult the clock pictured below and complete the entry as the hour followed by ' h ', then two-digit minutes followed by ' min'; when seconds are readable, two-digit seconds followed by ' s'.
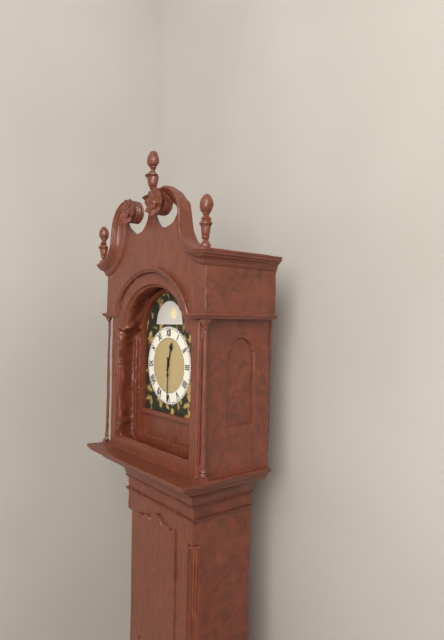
12 h 30 min
